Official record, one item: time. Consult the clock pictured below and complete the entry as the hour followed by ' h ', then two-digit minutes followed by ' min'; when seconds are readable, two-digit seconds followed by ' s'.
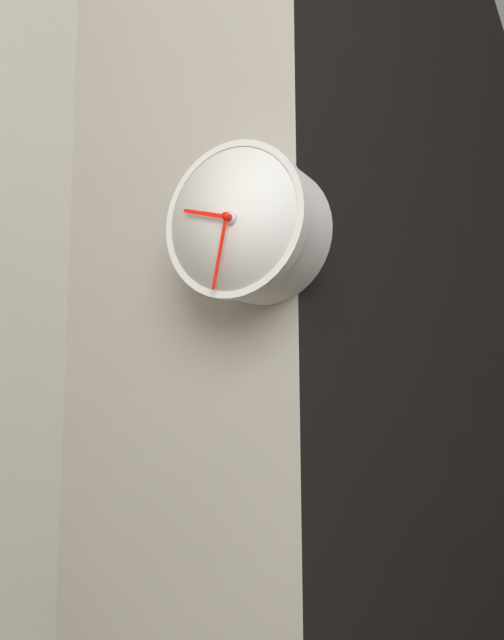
9 h 32 min
